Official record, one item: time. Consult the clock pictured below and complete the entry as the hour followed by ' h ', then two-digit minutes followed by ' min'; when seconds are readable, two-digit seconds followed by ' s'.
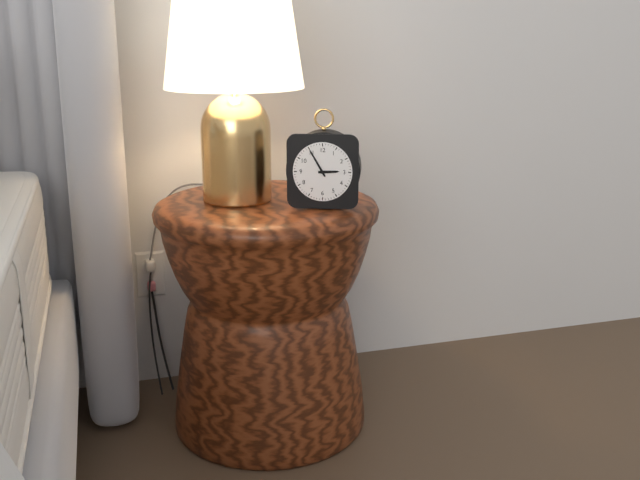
2 h 55 min
